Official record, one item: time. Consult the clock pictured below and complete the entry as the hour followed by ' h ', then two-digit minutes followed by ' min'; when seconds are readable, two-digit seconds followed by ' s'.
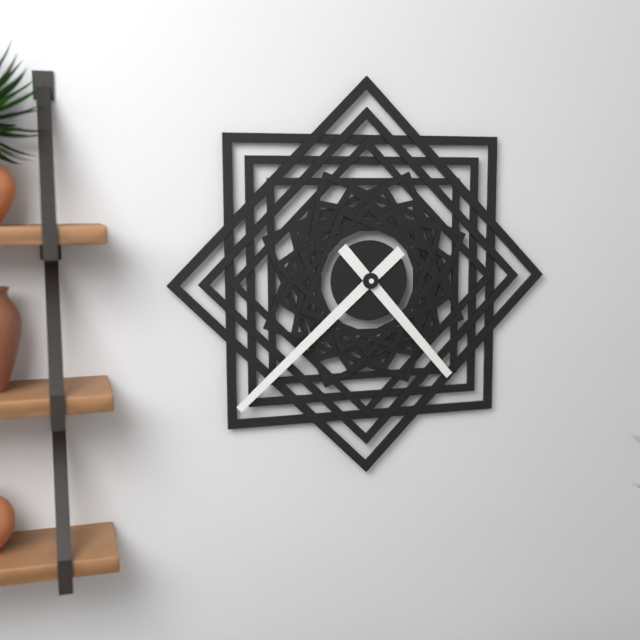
4 h 38 min
